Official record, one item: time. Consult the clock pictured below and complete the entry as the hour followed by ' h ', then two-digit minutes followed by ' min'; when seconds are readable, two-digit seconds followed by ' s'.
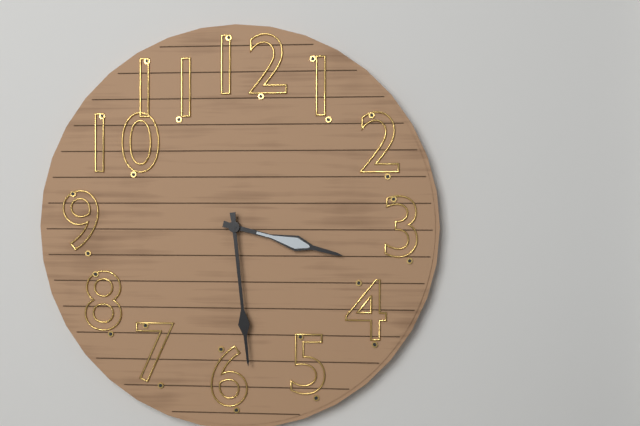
3 h 29 min
